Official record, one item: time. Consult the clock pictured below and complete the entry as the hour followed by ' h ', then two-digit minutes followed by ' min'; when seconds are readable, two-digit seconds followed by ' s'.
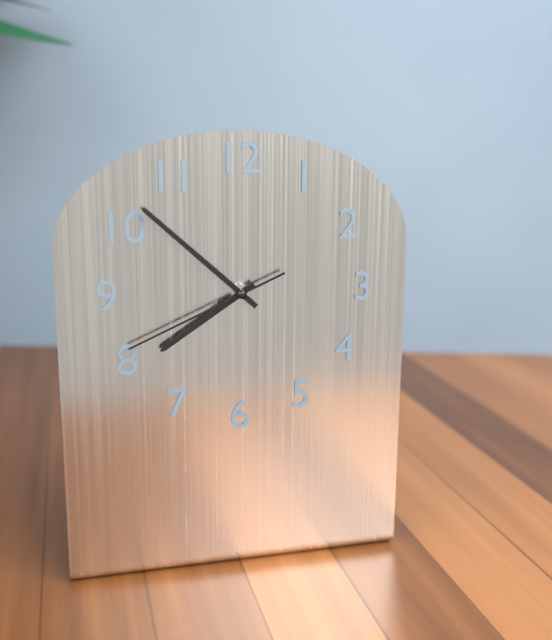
7 h 52 min 41 s
